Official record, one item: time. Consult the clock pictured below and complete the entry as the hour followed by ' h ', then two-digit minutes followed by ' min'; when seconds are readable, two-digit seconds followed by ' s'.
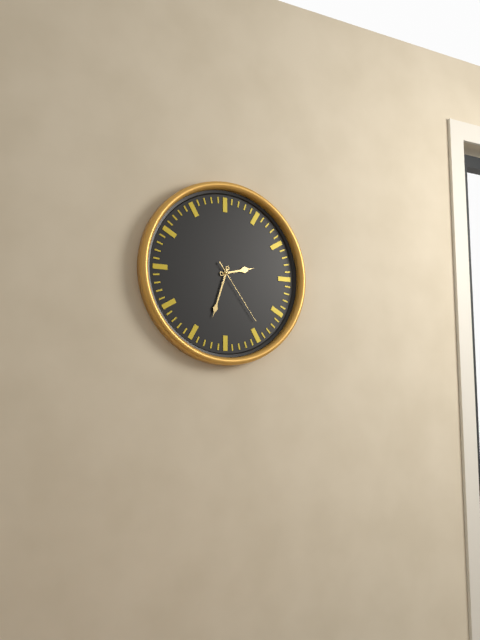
2 h 33 min 24 s
